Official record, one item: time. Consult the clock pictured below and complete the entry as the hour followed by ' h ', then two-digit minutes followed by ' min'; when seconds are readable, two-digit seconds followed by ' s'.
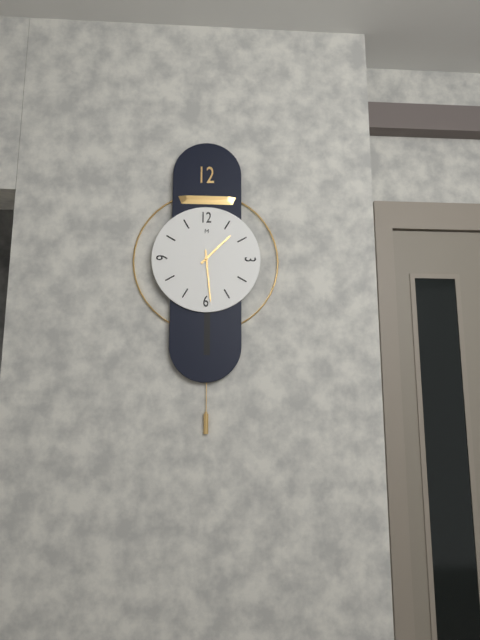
1 h 29 min
